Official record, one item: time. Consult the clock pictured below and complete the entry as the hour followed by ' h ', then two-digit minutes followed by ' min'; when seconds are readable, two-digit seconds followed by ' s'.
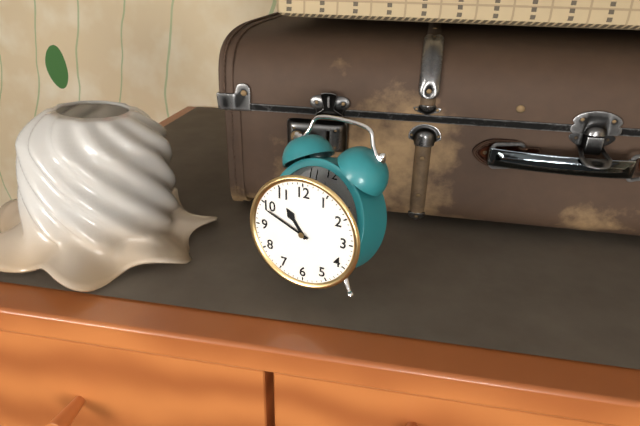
10 h 49 min
